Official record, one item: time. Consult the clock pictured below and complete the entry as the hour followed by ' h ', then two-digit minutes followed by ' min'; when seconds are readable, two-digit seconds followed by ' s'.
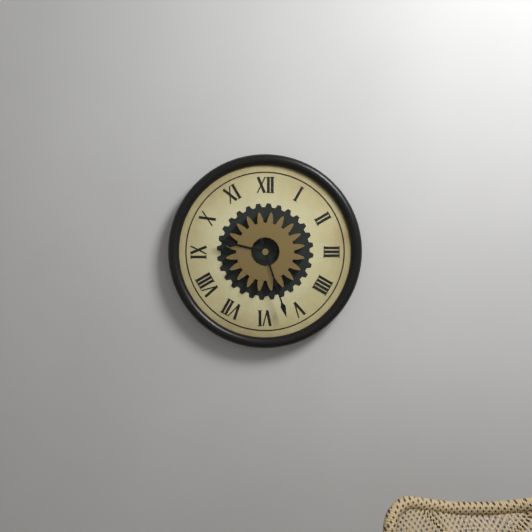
9 h 27 min
